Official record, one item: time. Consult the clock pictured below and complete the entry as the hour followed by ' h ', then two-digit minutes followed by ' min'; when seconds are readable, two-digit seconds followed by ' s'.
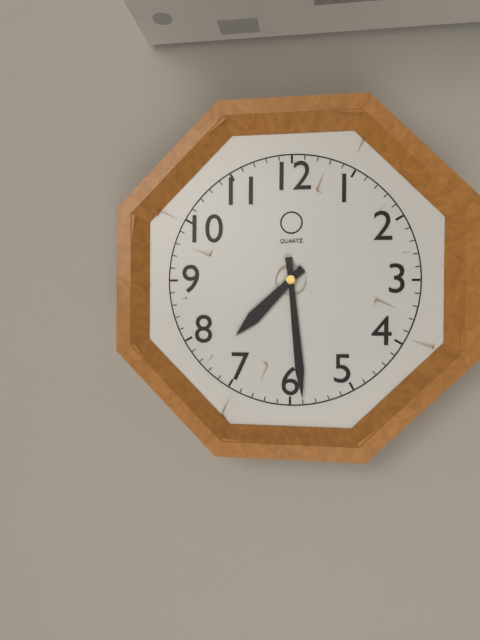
7 h 29 min
